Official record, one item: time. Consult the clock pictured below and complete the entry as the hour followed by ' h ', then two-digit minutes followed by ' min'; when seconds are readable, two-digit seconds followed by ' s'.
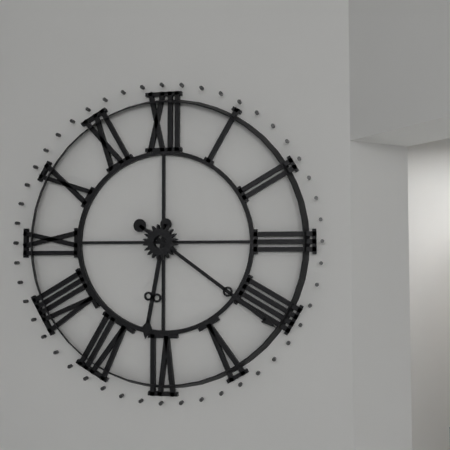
6 h 21 min
